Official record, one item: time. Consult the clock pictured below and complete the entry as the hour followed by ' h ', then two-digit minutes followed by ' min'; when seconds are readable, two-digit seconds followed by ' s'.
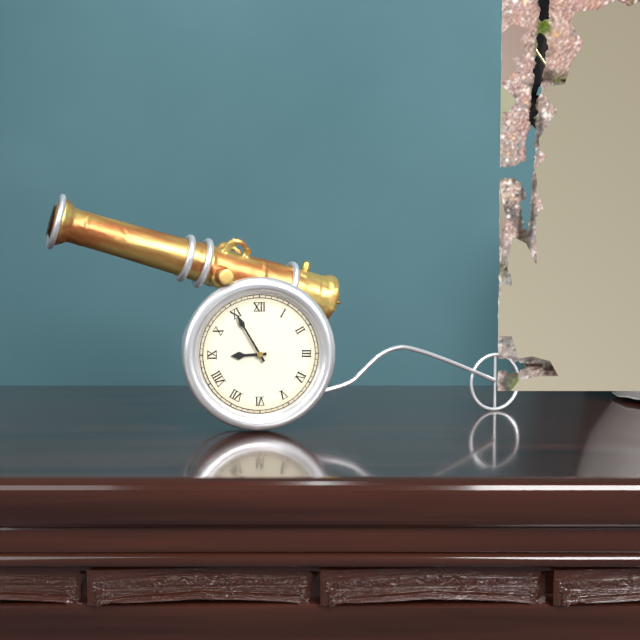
8 h 55 min
